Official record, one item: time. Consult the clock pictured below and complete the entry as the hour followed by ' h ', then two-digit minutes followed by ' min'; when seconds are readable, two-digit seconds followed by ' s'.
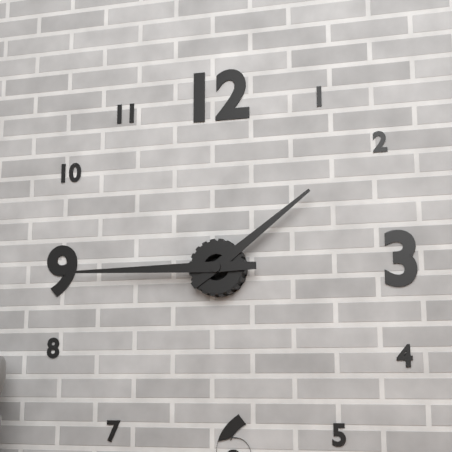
1 h 45 min
